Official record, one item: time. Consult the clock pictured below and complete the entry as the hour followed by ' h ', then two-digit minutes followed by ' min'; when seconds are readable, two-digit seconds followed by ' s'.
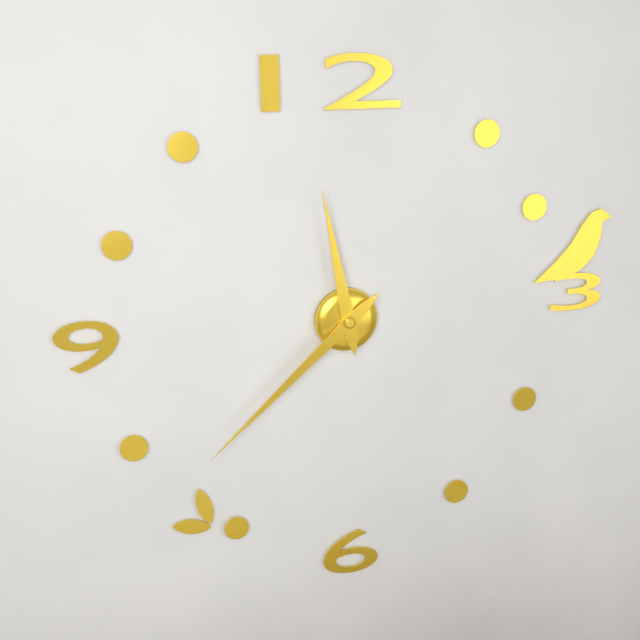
11 h 38 min
